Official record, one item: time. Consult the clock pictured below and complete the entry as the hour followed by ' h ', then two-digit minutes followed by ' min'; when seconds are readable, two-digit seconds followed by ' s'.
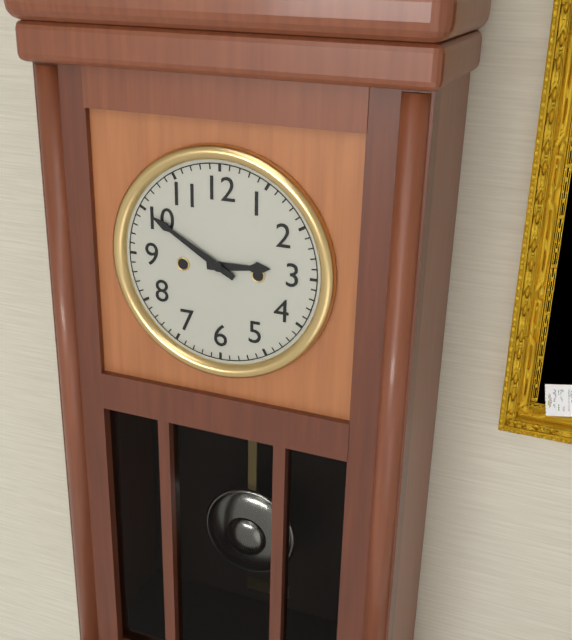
2 h 50 min
